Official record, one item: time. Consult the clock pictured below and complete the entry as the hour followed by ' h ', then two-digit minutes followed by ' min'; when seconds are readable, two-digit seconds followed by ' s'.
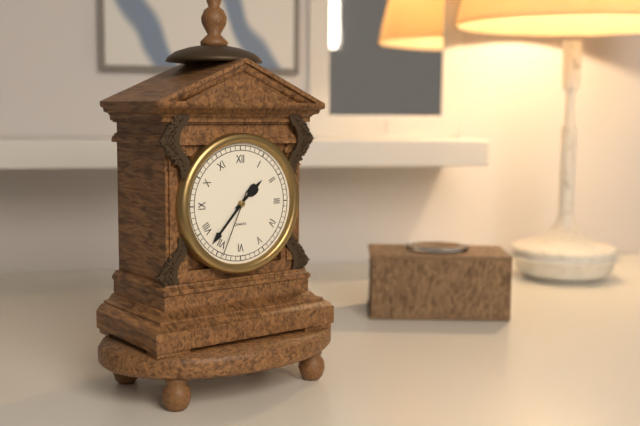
1 h 37 min 34 s
